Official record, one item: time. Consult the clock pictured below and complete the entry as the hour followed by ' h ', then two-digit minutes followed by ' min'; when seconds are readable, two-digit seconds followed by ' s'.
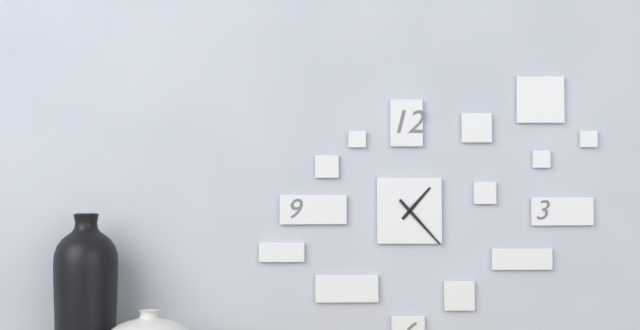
1 h 23 min
